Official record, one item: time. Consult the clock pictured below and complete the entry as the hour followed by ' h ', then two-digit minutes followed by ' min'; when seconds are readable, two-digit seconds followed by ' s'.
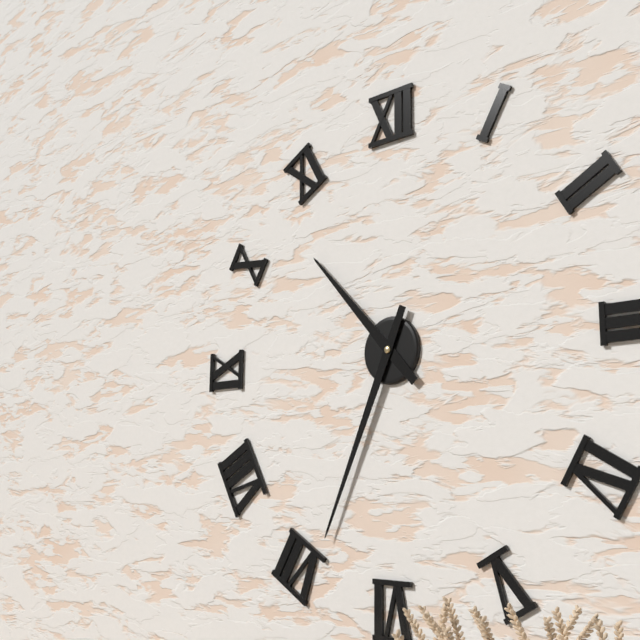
10 h 34 min
